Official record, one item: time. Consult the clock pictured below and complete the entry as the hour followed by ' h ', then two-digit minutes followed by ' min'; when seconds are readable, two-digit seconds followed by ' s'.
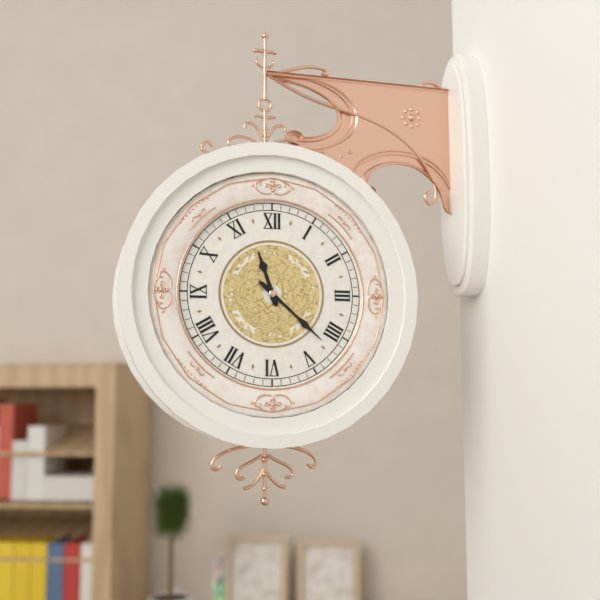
11 h 22 min
